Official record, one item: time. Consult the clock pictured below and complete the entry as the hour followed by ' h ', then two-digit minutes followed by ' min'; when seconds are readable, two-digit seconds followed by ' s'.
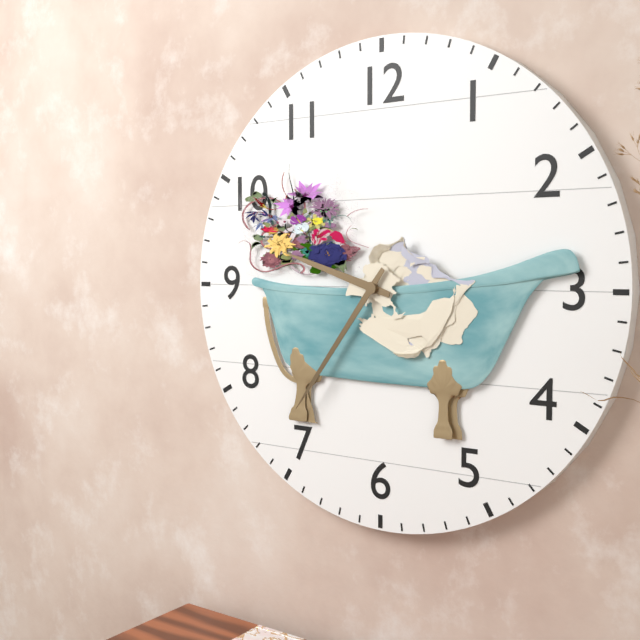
9 h 36 min
